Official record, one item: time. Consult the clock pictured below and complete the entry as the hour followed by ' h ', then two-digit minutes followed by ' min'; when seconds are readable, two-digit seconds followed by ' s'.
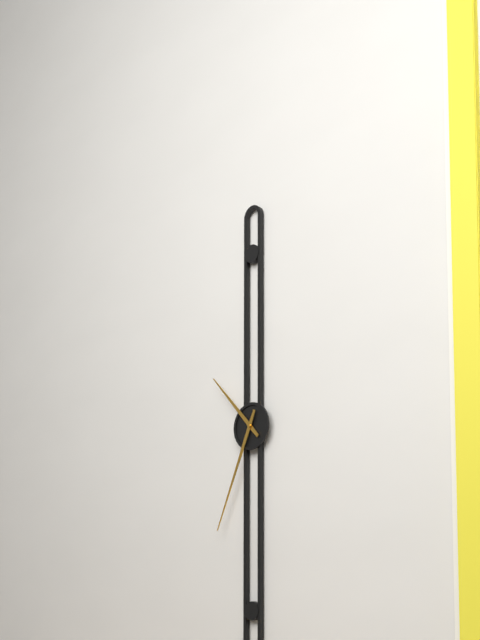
10 h 34 min
